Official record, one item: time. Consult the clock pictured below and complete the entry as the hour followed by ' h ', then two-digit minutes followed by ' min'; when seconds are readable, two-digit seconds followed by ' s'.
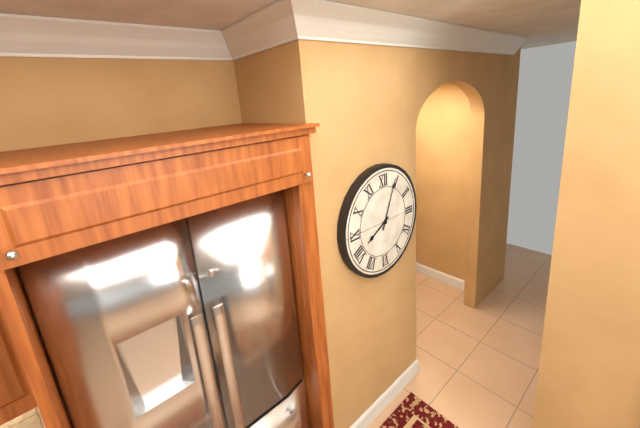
8 h 04 min
